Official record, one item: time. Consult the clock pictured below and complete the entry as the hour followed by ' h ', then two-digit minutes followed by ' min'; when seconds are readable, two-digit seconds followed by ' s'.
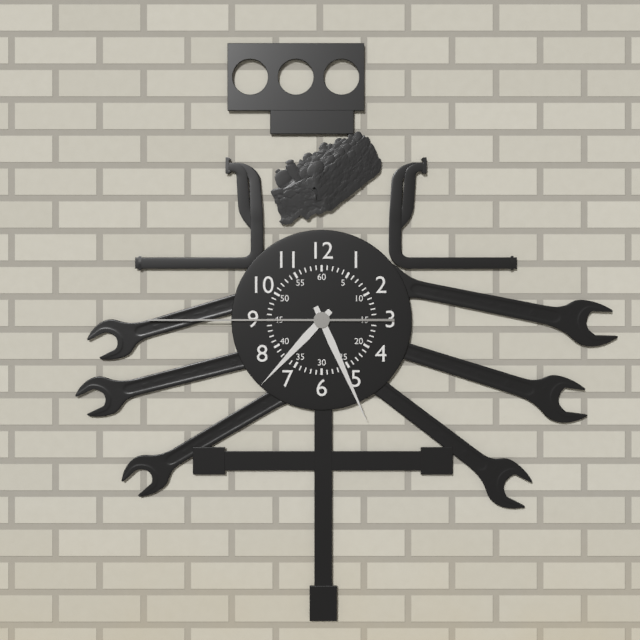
7 h 26 min 45 s
